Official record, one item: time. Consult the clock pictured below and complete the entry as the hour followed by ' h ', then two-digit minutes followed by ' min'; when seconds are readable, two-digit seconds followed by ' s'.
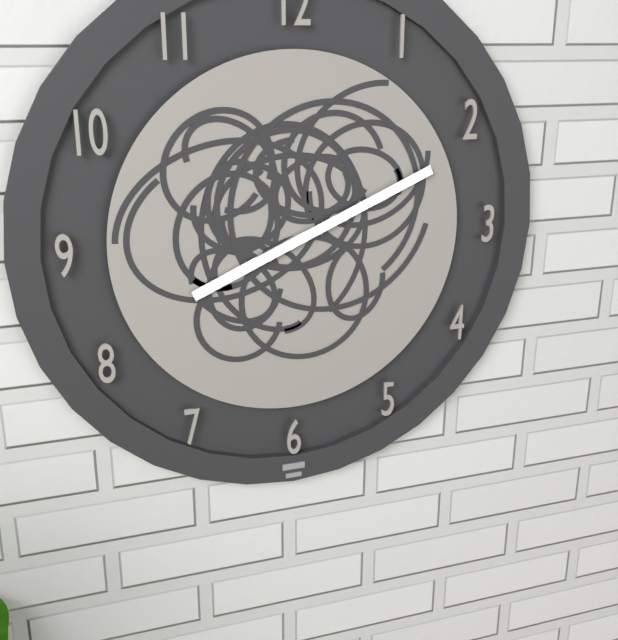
8 h 11 min
